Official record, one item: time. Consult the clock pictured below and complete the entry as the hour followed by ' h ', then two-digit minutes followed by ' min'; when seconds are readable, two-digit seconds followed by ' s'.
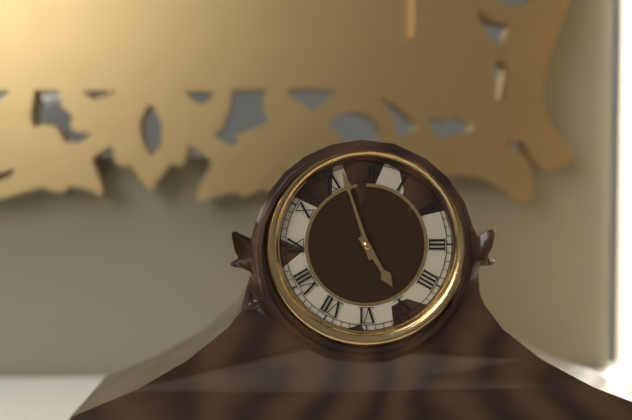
4 h 57 min
